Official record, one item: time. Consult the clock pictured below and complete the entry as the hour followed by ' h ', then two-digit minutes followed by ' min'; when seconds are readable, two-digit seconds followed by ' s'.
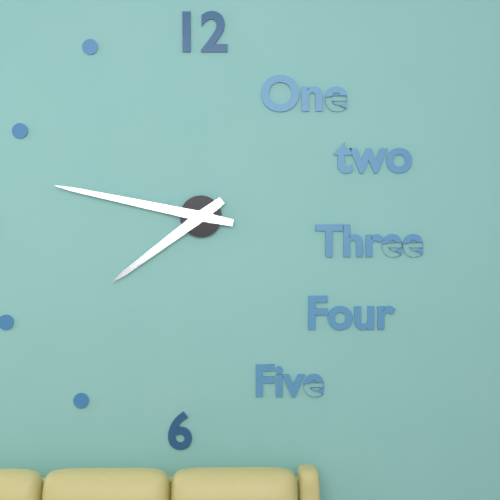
7 h 47 min
